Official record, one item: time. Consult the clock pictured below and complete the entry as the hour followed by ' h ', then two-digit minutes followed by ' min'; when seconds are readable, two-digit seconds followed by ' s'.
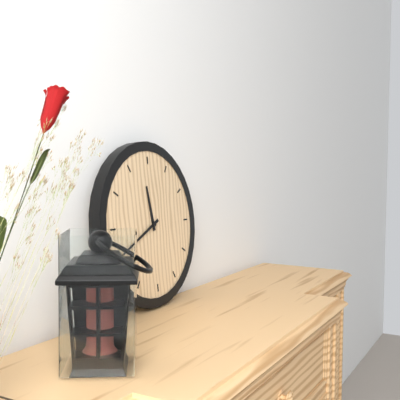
11 h 41 min
